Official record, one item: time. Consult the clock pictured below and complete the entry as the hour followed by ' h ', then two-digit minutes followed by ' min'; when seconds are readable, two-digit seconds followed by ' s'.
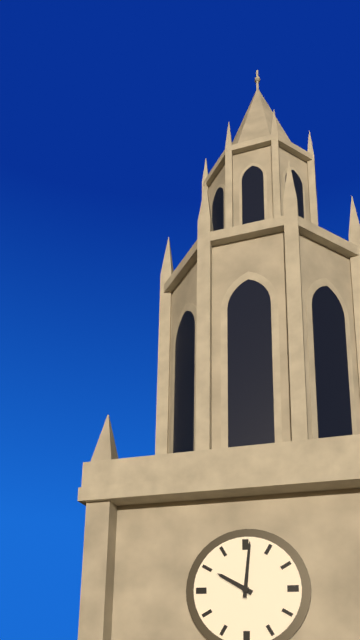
10 h 01 min
